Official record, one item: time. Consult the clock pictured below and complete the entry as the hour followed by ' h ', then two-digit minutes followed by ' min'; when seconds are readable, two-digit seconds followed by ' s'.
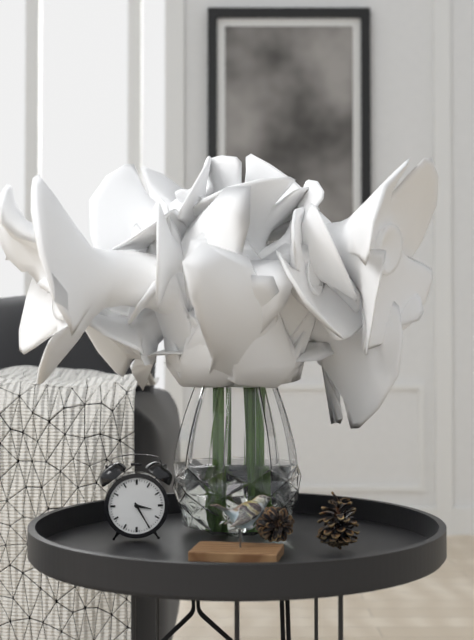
3 h 25 min
